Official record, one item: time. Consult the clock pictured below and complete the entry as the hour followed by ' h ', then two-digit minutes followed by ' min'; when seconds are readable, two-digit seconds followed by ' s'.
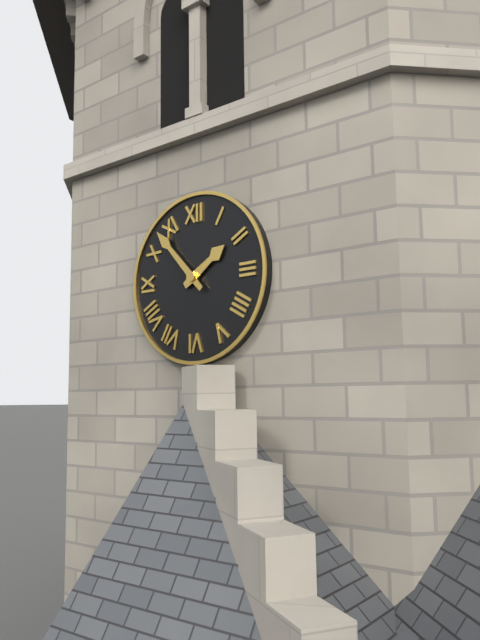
1 h 53 min
